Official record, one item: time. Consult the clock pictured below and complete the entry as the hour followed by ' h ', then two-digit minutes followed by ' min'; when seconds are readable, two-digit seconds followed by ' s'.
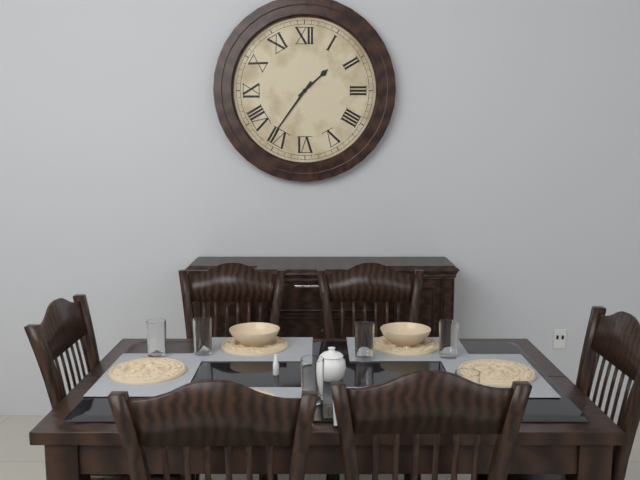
1 h 36 min
